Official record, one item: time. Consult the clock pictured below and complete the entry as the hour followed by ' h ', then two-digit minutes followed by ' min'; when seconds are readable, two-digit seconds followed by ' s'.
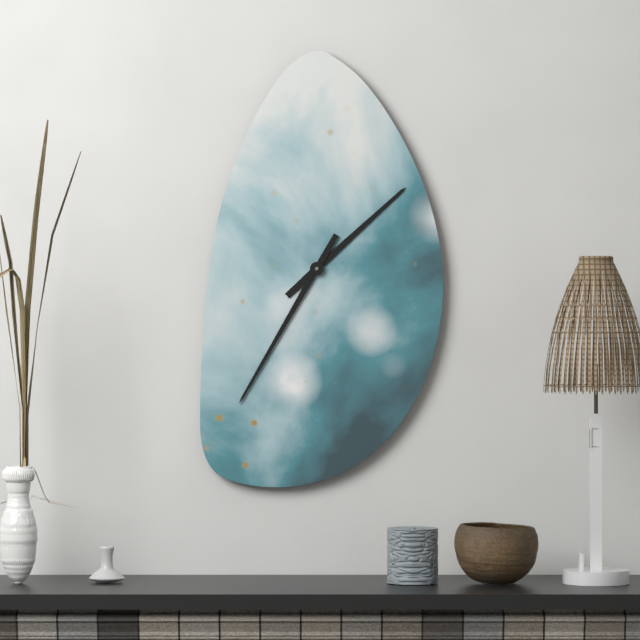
1 h 35 min
